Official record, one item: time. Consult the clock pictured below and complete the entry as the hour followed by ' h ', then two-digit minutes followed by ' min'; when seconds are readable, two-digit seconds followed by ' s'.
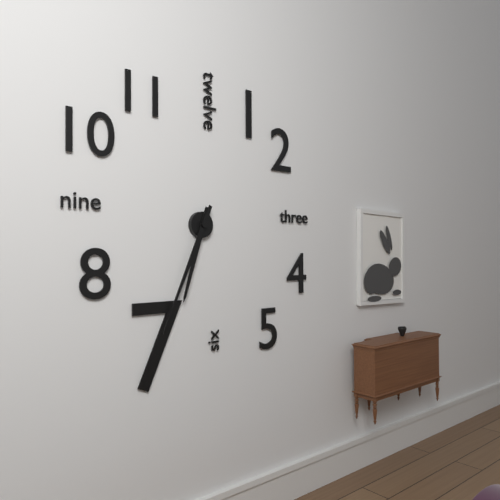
6 h 34 min
